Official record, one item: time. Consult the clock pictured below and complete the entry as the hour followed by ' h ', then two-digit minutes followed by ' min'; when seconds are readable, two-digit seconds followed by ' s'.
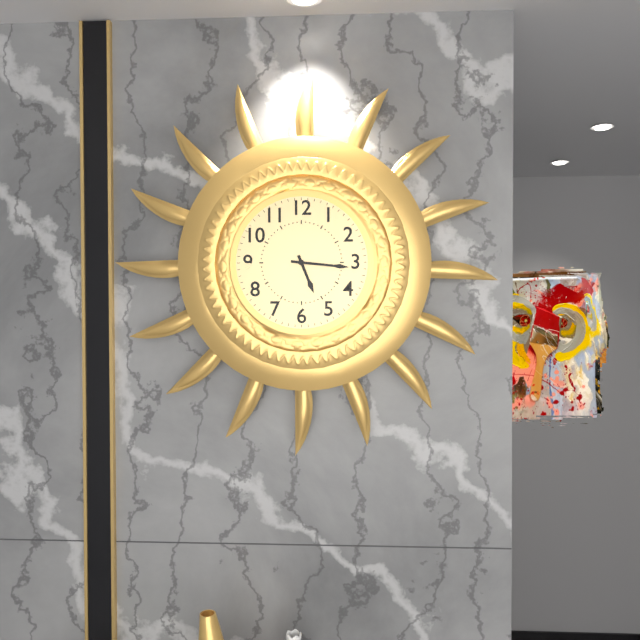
5 h 16 min
